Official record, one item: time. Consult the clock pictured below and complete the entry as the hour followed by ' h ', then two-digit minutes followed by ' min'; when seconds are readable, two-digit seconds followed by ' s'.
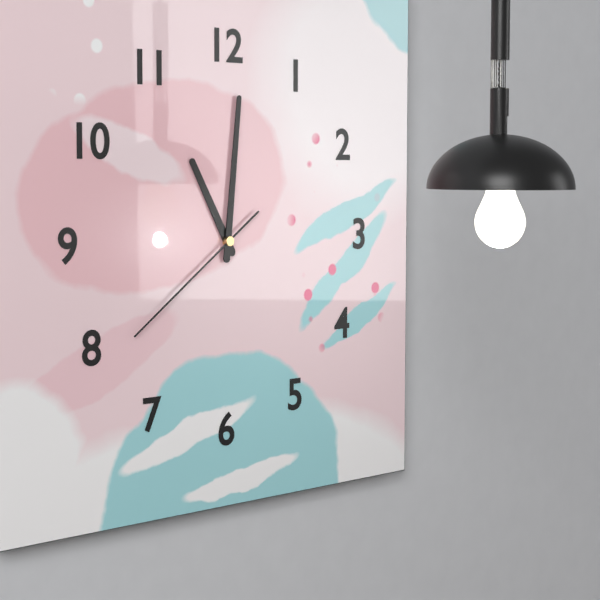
11 h 01 min 39 s
